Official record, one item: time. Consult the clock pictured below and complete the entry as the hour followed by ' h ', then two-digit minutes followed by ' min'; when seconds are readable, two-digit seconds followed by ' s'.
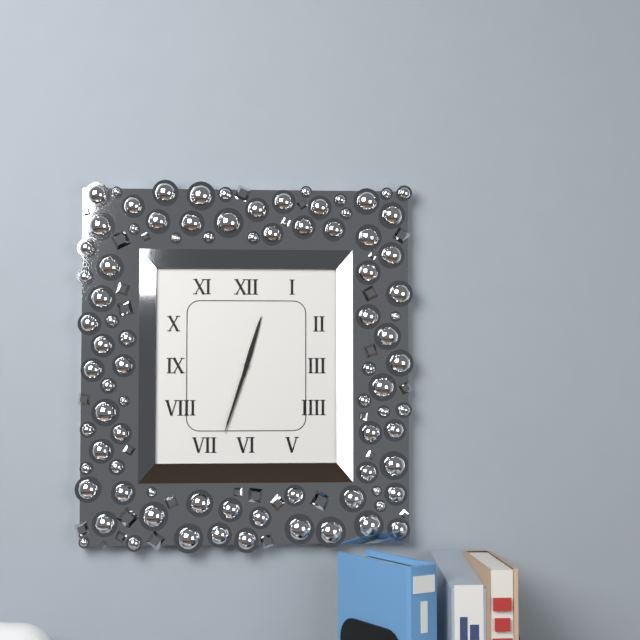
12 h 33 min
